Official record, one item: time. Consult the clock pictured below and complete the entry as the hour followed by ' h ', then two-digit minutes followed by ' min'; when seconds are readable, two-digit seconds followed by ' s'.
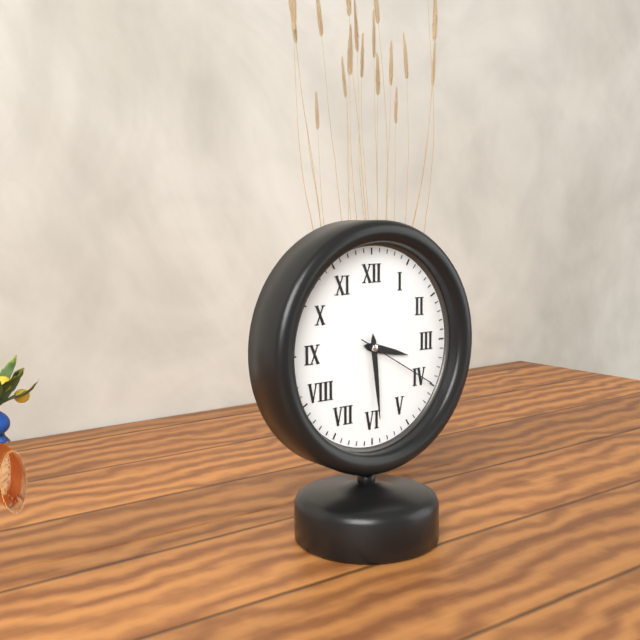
3 h 29 min 20 s
